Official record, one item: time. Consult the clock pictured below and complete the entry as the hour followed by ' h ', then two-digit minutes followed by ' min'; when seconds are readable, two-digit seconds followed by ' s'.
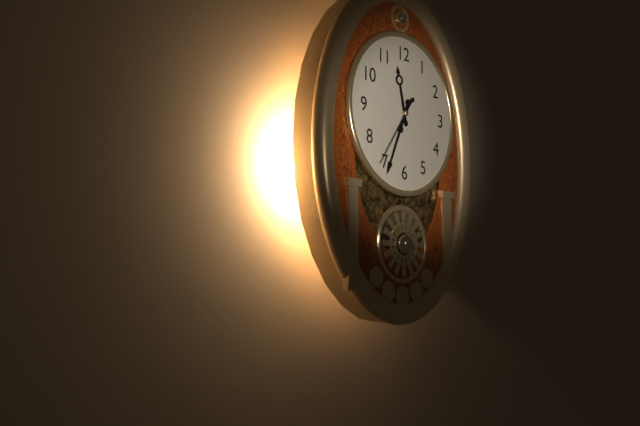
11 h 34 min 36 s
